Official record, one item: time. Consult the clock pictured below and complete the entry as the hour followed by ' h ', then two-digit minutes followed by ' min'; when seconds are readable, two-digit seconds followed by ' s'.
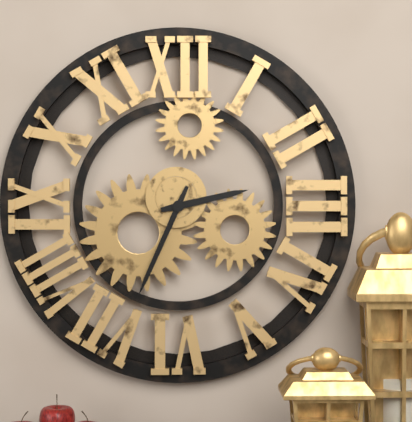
2 h 34 min
